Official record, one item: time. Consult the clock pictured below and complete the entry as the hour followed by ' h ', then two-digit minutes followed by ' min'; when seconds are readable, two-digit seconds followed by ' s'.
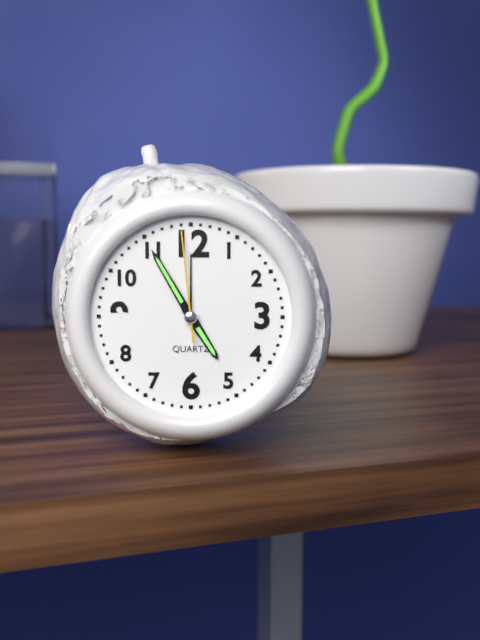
4 h 55 min 59 s
